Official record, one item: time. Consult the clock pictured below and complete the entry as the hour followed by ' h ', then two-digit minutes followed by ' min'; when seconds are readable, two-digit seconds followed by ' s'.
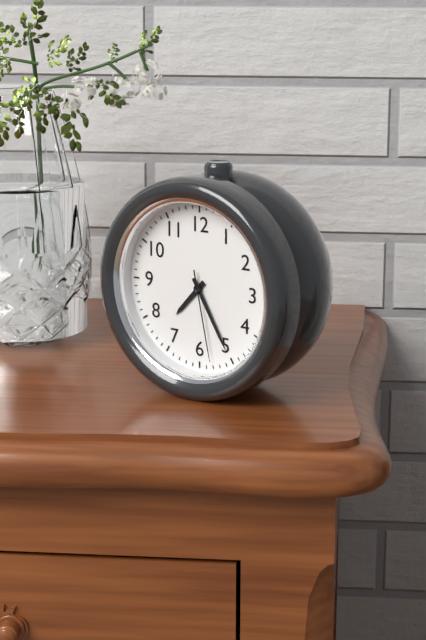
7 h 25 min 28 s
